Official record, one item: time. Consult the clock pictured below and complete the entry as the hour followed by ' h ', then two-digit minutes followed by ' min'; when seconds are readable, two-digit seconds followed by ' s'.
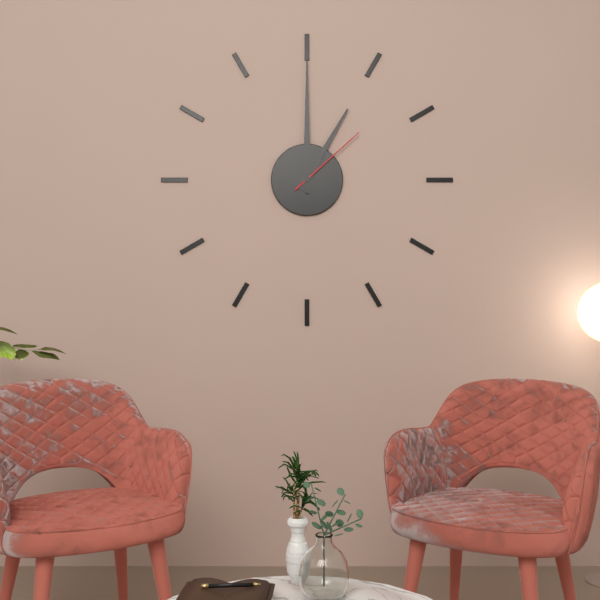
1 h 00 min 08 s
